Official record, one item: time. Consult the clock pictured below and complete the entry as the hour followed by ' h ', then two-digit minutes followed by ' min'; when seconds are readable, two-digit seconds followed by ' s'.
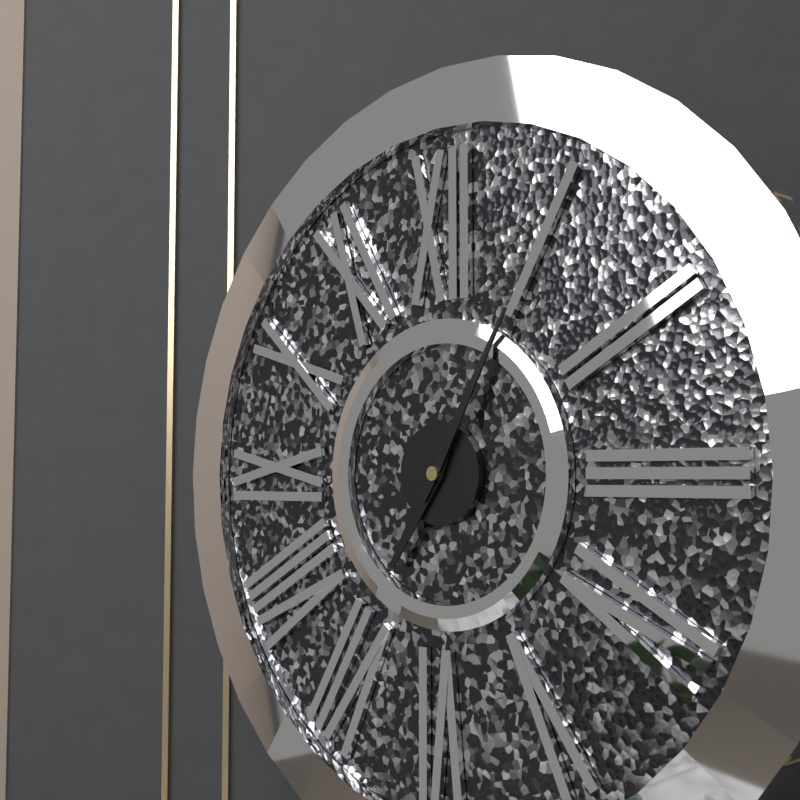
7 h 05 min
